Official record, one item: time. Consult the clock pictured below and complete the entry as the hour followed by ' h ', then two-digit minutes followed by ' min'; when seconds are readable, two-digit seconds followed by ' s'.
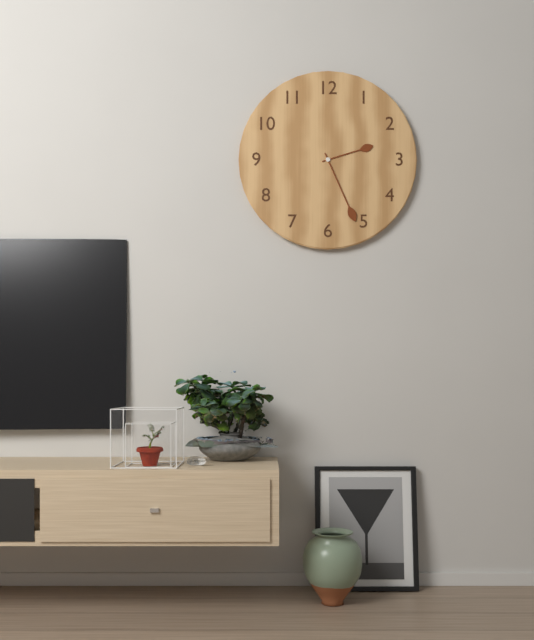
2 h 26 min
